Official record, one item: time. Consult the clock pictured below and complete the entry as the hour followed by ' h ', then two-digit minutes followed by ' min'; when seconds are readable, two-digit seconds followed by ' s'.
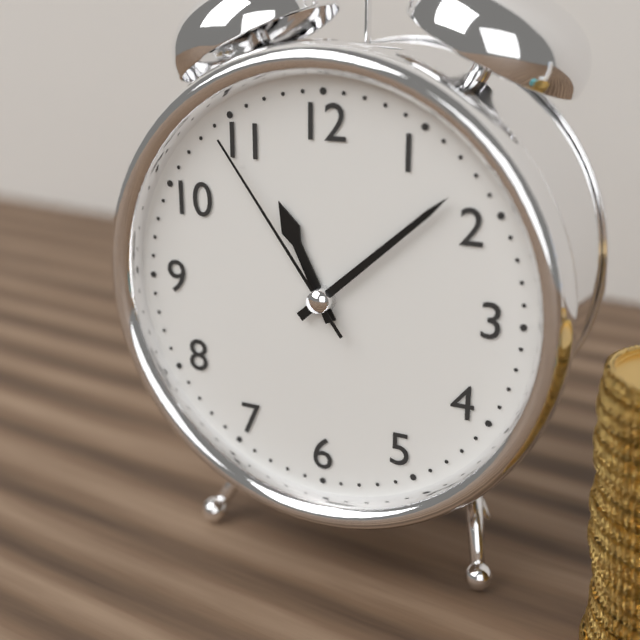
11 h 08 min 54 s
